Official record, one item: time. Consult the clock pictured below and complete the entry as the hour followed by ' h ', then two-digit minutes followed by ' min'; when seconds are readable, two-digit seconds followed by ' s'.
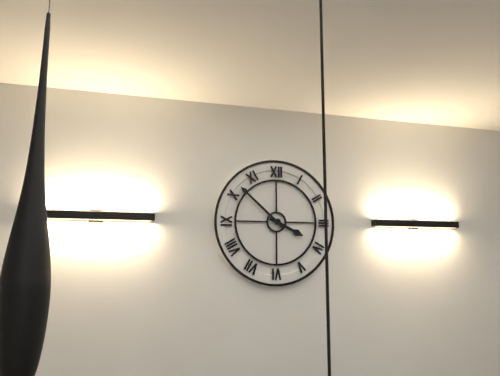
3 h 52 min
